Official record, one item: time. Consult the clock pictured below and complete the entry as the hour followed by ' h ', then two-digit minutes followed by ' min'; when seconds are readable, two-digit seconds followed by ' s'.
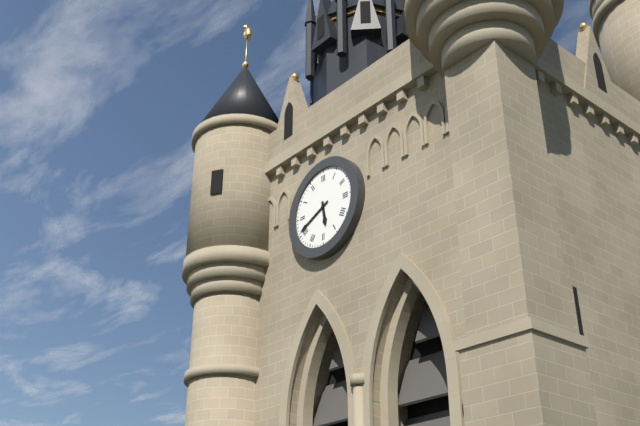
5 h 41 min
